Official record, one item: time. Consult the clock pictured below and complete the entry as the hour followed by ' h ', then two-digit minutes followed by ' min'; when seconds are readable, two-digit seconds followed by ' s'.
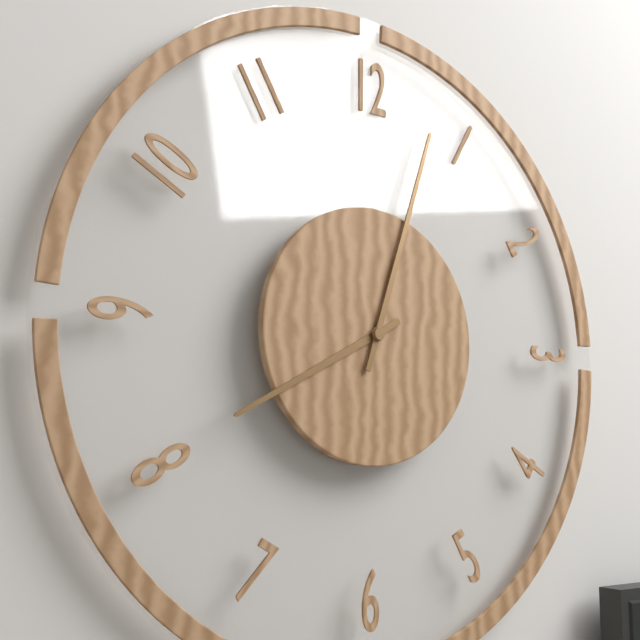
8 h 03 min
